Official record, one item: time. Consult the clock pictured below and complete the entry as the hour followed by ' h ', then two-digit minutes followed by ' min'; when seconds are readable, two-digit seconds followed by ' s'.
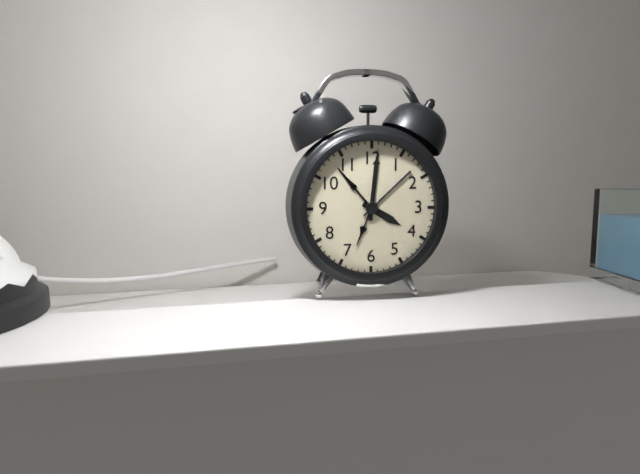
4 h 01 min
